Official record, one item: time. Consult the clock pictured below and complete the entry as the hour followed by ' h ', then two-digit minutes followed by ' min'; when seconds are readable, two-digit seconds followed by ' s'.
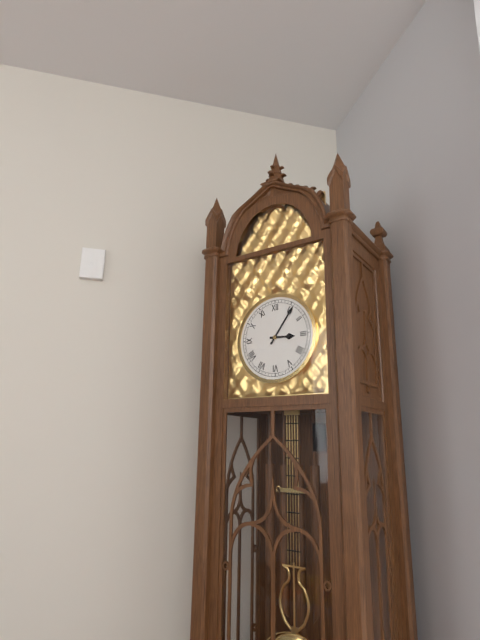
3 h 06 min
